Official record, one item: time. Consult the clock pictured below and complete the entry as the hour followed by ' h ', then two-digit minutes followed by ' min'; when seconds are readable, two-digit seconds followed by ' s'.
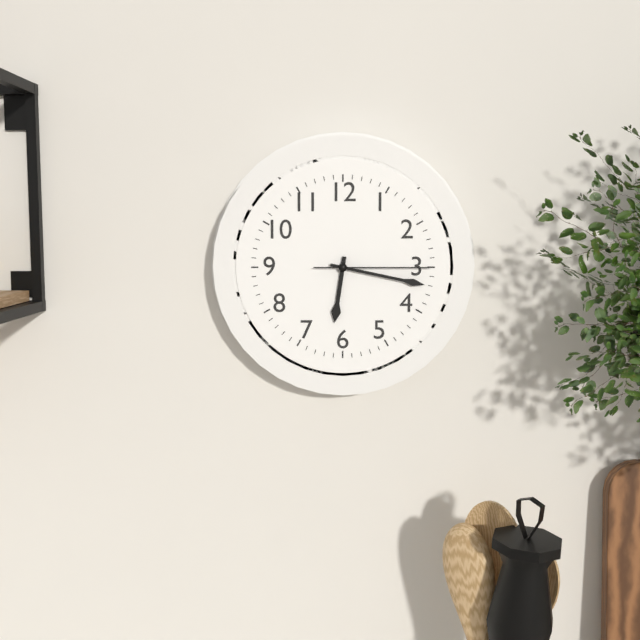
6 h 17 min 15 s
